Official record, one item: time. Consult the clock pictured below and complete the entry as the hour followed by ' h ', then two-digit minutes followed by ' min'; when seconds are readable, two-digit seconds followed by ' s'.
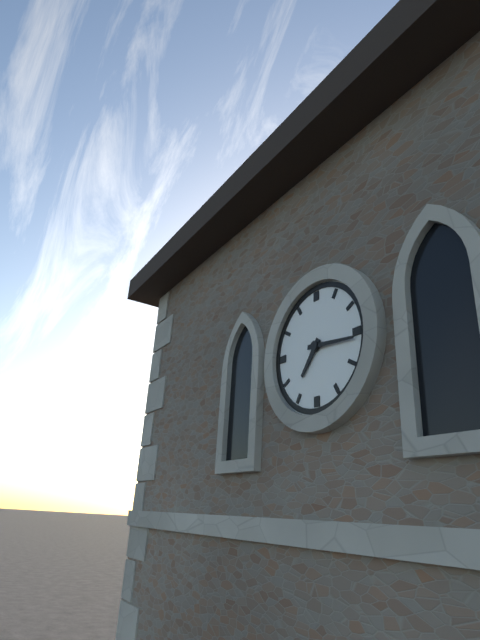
7 h 16 min
